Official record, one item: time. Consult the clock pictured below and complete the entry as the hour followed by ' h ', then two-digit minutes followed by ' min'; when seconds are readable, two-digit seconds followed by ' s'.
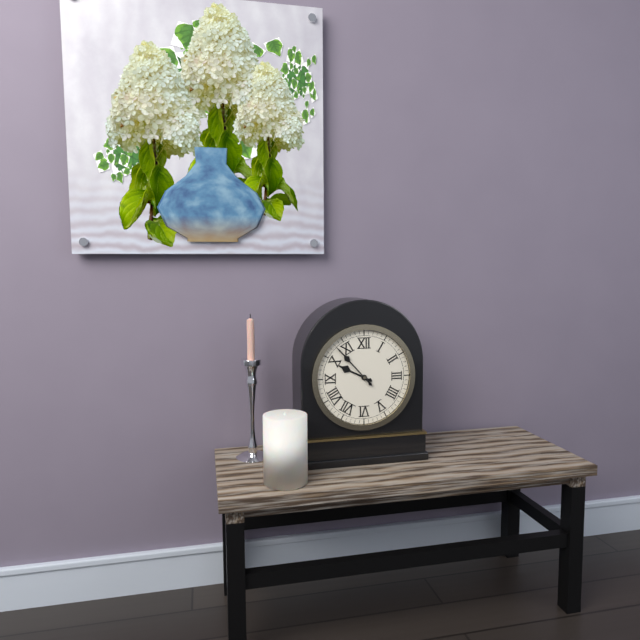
9 h 53 min
